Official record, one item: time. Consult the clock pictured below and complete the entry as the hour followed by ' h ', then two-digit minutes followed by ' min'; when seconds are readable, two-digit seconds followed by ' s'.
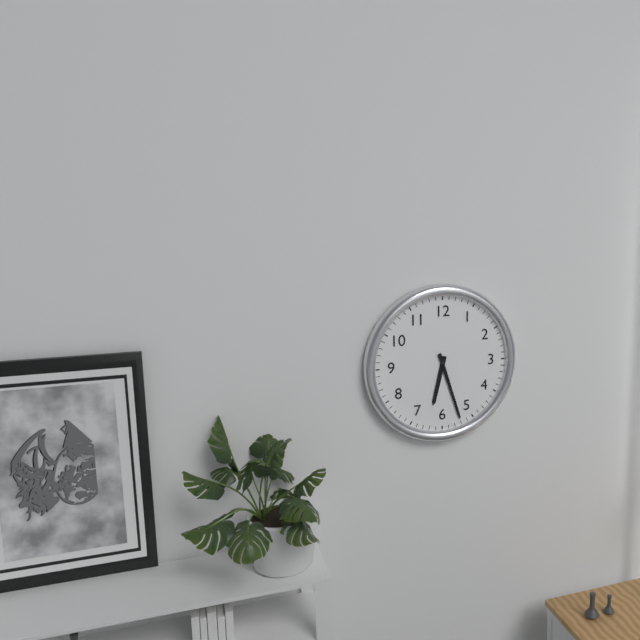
6 h 27 min
